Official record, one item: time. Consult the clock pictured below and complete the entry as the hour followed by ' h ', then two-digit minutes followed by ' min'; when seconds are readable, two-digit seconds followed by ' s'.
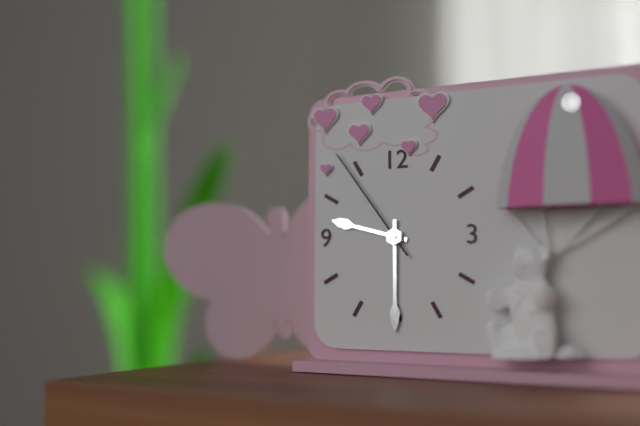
9 h 30 min 54 s
